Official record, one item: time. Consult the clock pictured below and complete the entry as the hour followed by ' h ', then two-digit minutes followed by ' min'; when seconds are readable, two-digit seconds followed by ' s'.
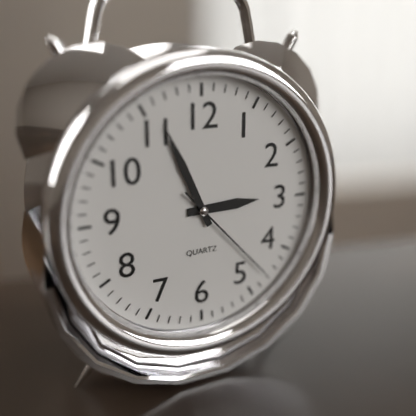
2 h 56 min 23 s
